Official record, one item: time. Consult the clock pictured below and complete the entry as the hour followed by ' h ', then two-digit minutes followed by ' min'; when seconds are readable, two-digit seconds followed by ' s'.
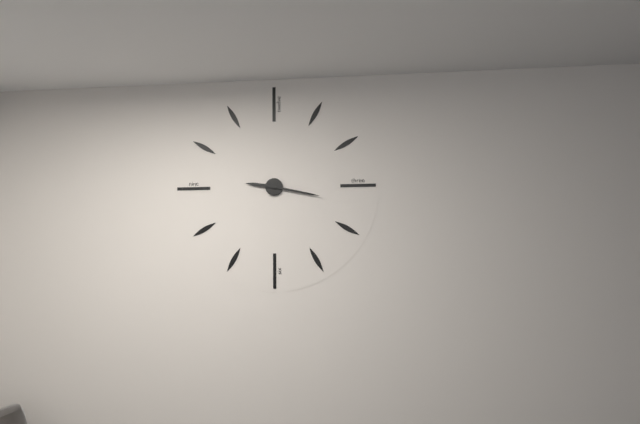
9 h 17 min
